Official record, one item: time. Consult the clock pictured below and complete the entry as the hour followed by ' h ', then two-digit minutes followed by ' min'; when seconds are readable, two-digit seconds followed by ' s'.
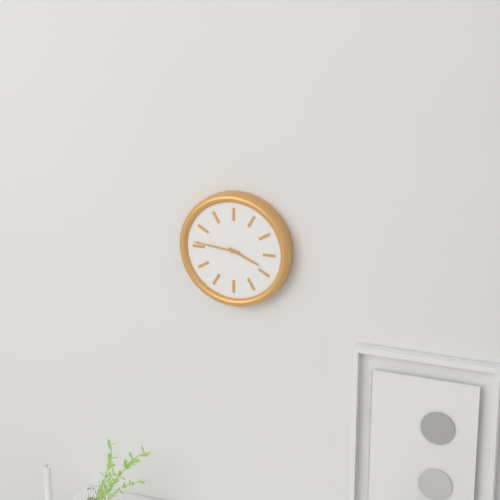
3 h 46 min
